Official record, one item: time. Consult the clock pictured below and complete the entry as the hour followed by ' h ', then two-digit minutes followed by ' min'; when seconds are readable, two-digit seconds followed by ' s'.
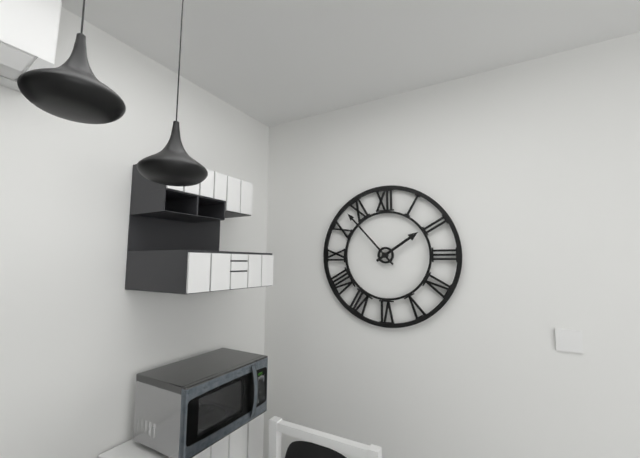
1 h 53 min
